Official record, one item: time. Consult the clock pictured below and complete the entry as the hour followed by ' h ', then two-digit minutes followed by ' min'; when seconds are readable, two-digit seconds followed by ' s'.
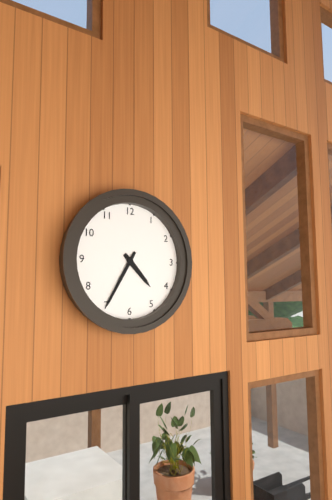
4 h 35 min
